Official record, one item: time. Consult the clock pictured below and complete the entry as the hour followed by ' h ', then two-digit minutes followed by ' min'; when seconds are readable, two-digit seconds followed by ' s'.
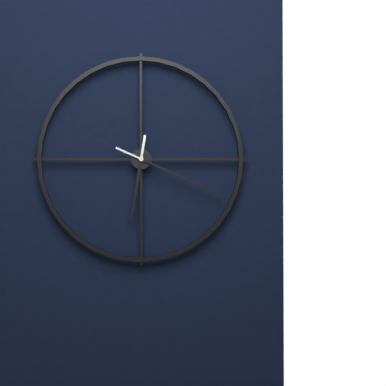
6 h 19 min
